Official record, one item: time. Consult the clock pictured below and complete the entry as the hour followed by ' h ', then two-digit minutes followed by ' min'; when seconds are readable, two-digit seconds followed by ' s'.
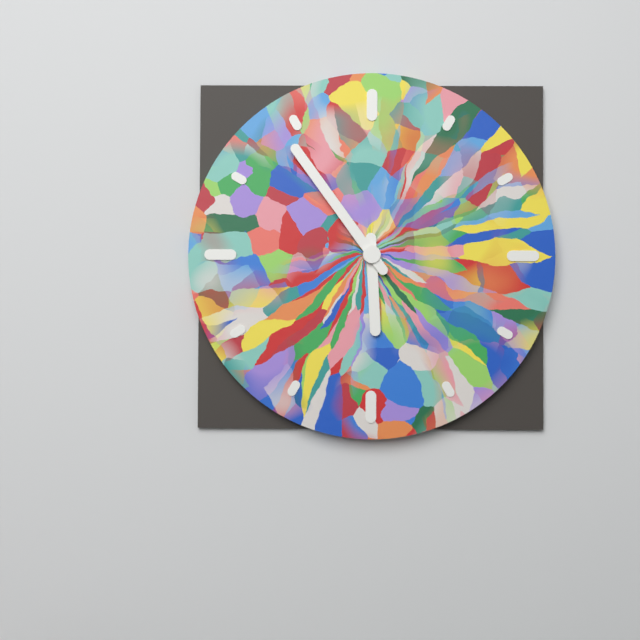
5 h 54 min
